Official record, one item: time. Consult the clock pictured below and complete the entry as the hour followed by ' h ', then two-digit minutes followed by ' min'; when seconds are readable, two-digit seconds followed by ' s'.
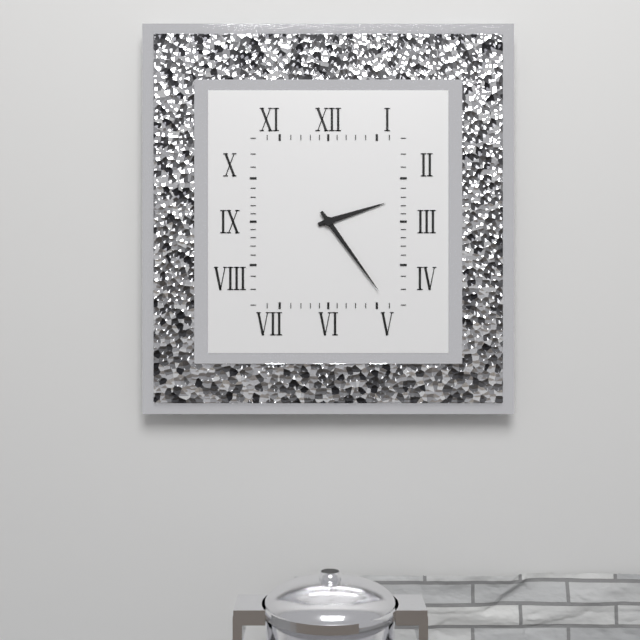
2 h 24 min
